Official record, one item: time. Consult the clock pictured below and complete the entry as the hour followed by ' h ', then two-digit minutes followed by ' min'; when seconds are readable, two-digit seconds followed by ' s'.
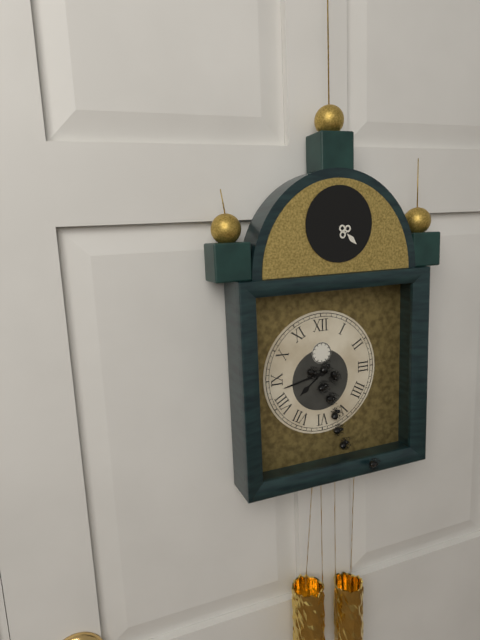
7 h 43 min
